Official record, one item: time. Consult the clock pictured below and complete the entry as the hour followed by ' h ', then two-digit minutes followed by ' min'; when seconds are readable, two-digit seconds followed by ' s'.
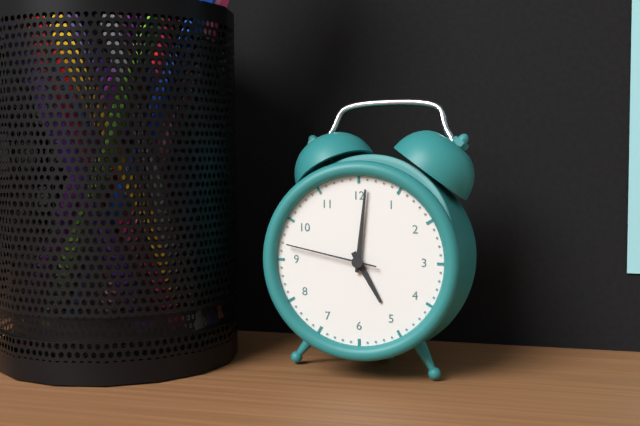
5 h 01 min 47 s
